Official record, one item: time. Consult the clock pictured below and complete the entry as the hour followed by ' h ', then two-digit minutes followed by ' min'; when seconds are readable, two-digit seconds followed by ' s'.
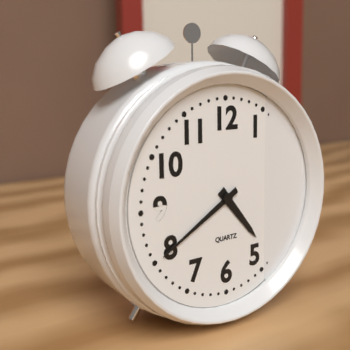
4 h 40 min
